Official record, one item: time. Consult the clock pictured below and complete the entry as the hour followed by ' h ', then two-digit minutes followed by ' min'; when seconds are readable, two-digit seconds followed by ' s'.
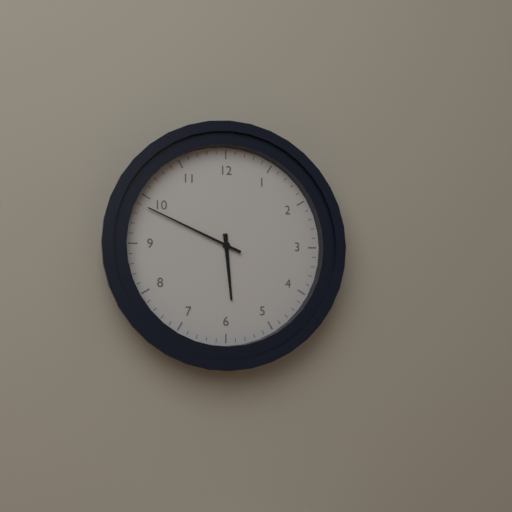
5 h 49 min
